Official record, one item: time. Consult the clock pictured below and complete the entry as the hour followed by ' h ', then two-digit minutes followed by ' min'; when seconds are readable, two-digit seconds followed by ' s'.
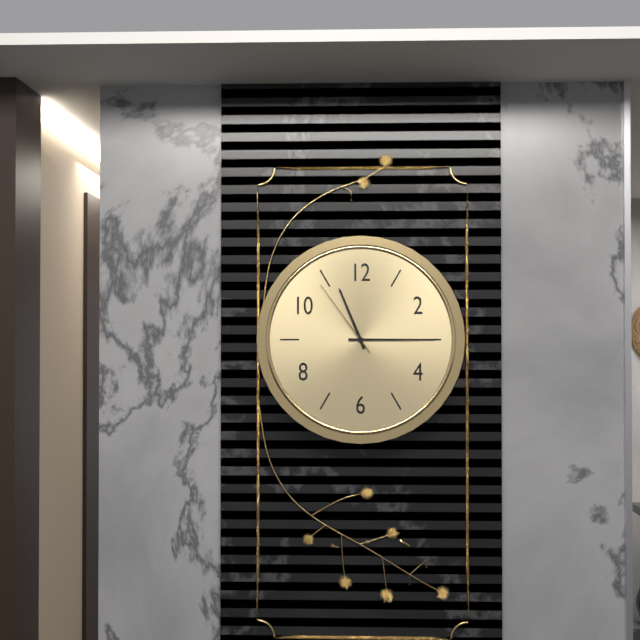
11 h 15 min 54 s
